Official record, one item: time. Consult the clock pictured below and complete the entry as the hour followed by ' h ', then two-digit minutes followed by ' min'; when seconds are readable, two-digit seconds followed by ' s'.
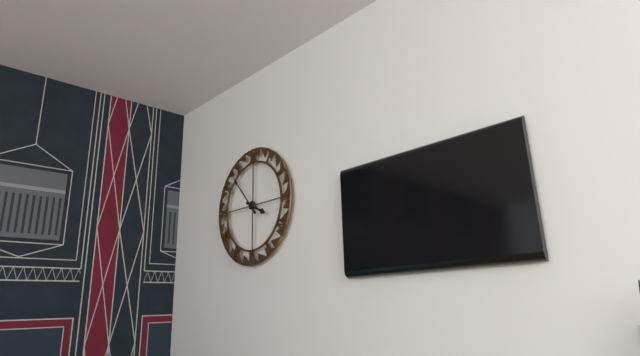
3 h 53 min
